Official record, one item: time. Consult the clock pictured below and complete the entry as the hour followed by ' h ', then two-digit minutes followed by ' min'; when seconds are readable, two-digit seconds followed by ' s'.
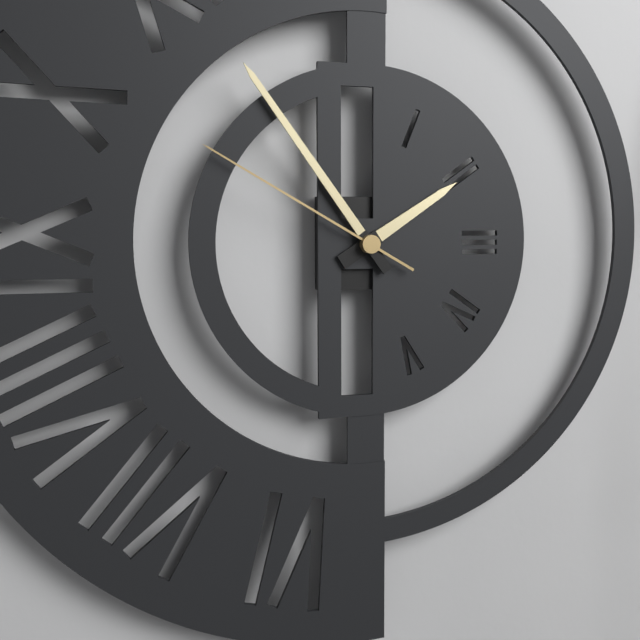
1 h 54 min 50 s
